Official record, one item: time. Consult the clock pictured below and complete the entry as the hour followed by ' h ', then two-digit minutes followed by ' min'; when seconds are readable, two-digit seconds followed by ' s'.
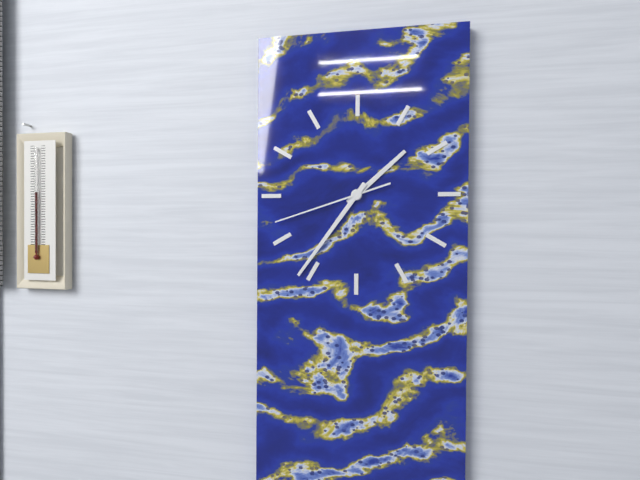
1 h 36 min 42 s
